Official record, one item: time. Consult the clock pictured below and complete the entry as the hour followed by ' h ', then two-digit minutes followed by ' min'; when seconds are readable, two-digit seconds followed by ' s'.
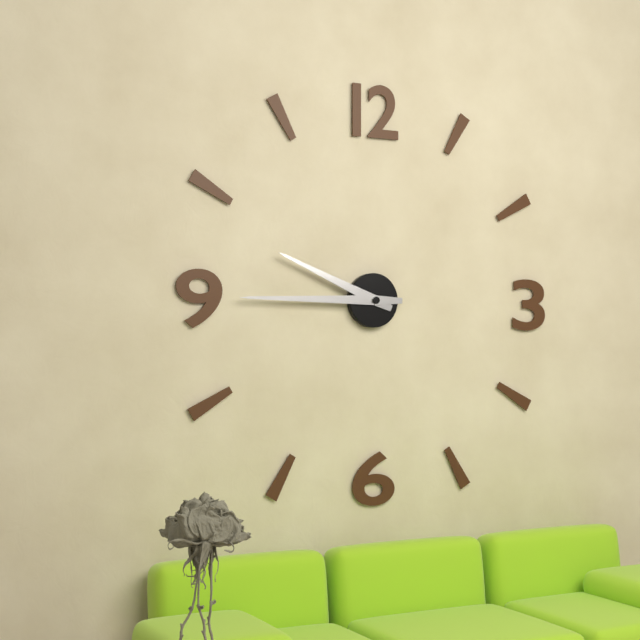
9 h 45 min
